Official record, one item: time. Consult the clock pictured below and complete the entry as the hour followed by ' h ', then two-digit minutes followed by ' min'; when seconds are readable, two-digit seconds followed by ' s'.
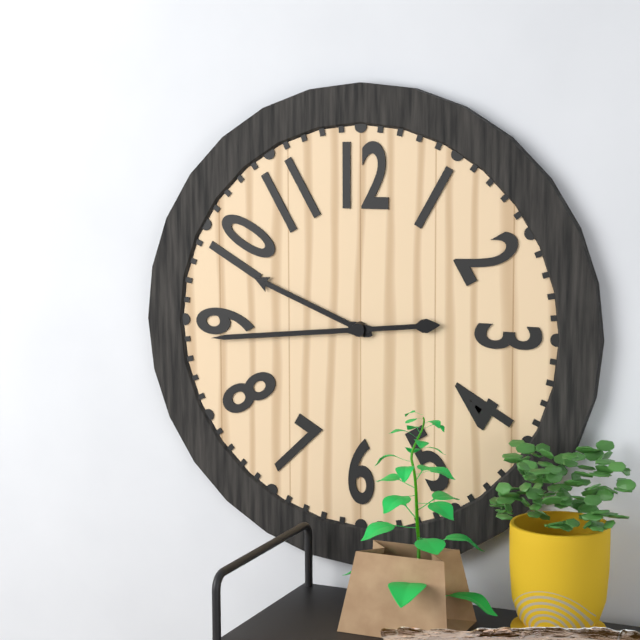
9 h 44 min
